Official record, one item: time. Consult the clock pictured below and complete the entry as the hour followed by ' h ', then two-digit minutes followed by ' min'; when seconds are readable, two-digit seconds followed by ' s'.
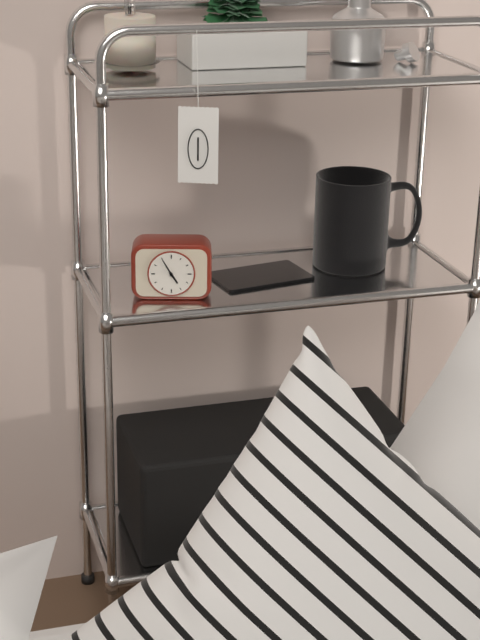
4 h 55 min
